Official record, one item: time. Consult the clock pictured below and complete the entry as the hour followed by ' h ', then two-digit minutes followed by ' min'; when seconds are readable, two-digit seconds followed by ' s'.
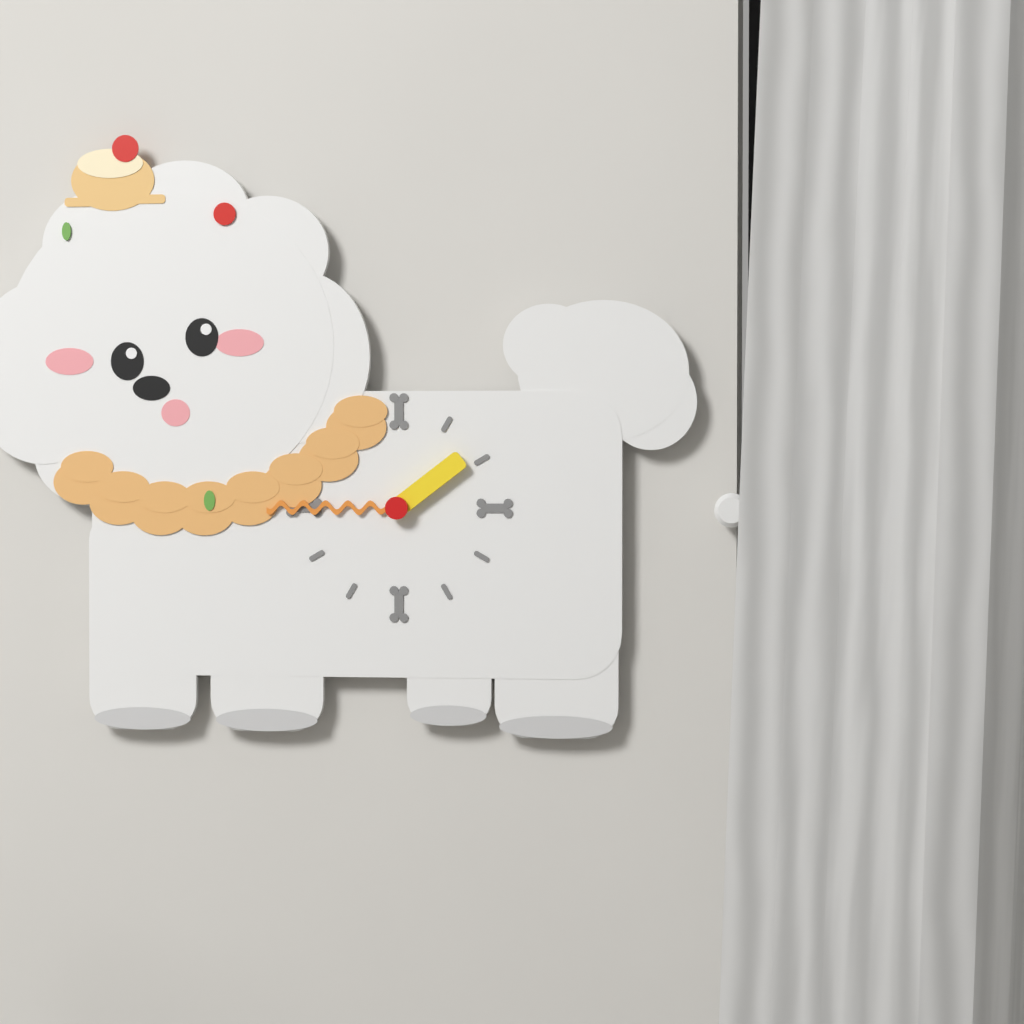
1 h 45 min
